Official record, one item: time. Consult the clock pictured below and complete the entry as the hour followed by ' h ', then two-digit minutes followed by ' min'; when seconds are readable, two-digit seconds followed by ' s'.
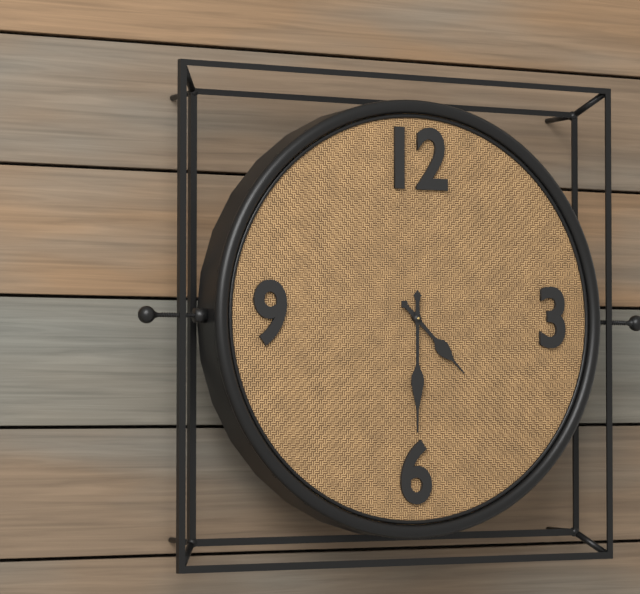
4 h 30 min
